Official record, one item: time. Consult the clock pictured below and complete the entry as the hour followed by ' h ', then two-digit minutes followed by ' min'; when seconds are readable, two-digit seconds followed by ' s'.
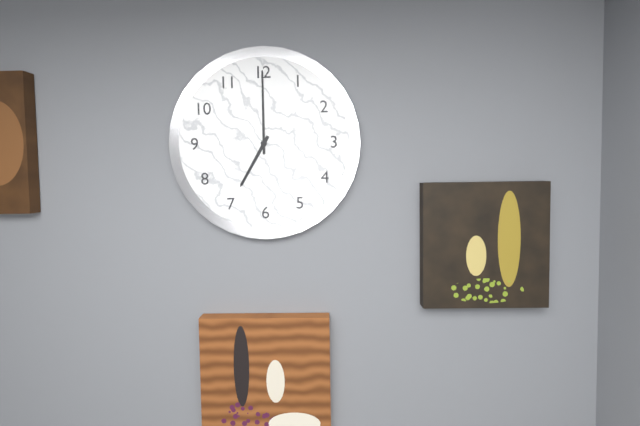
7 h 00 min
